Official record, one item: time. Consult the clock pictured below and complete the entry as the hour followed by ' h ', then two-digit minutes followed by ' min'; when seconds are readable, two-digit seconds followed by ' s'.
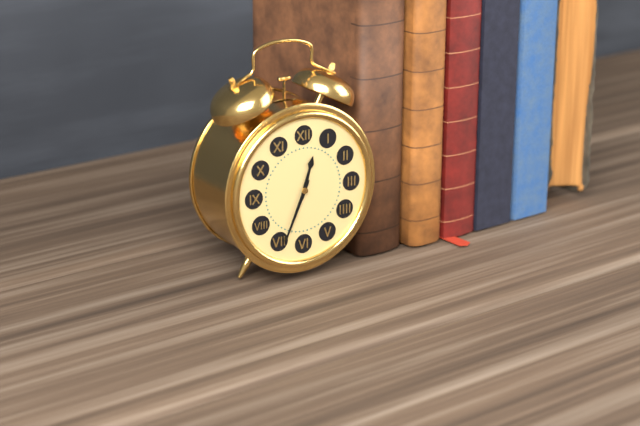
12 h 34 min
